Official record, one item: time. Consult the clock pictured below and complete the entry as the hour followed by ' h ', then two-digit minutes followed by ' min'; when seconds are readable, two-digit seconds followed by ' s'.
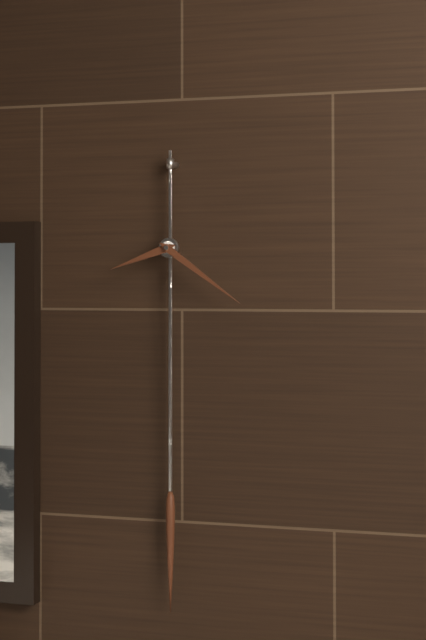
8 h 21 min
